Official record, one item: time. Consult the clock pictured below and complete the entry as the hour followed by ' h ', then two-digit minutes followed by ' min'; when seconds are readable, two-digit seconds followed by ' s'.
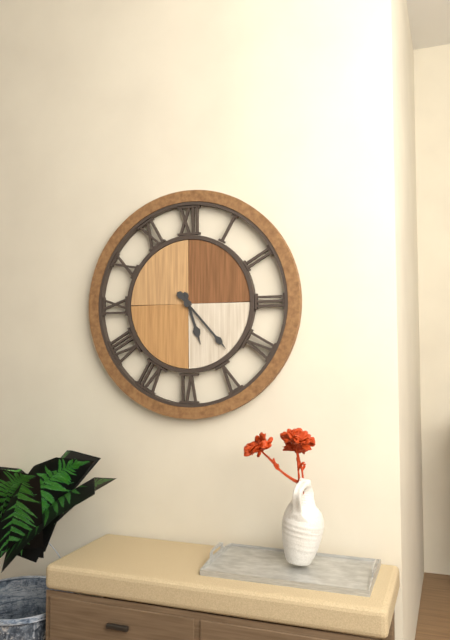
5 h 23 min
